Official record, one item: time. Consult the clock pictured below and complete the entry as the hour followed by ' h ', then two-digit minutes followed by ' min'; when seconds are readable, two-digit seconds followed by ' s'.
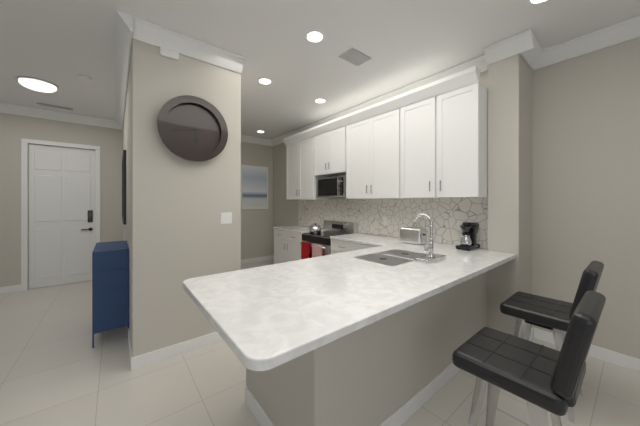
5 h 43 min
